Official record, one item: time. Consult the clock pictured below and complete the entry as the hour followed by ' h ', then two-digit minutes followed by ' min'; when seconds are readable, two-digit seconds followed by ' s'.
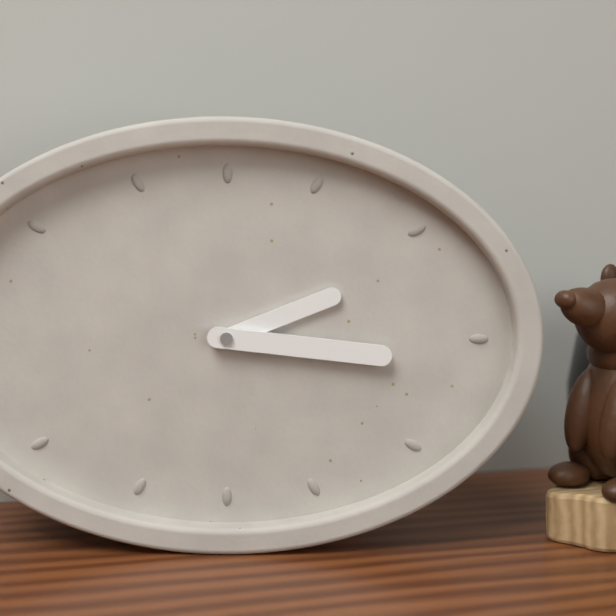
2 h 16 min
